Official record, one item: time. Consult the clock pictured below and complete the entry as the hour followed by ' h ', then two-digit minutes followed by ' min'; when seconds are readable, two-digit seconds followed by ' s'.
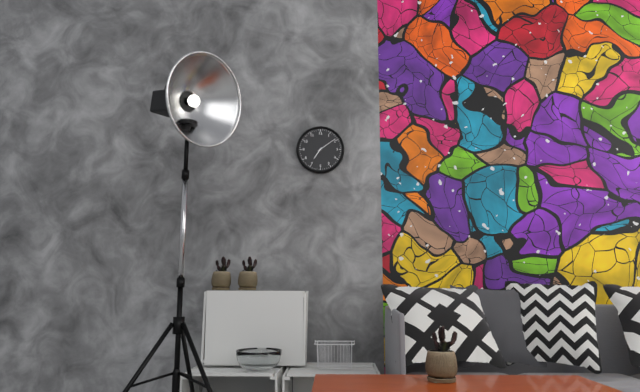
7 h 09 min
